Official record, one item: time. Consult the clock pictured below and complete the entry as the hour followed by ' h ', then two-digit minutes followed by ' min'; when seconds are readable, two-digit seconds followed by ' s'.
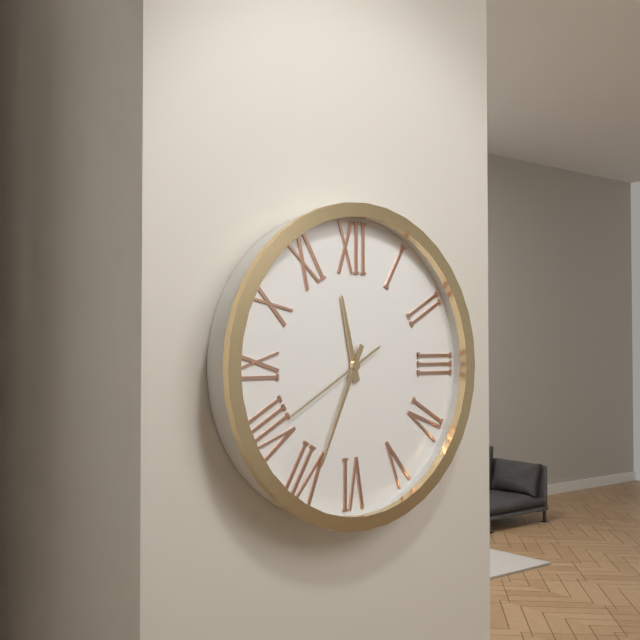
11 h 34 min 40 s
